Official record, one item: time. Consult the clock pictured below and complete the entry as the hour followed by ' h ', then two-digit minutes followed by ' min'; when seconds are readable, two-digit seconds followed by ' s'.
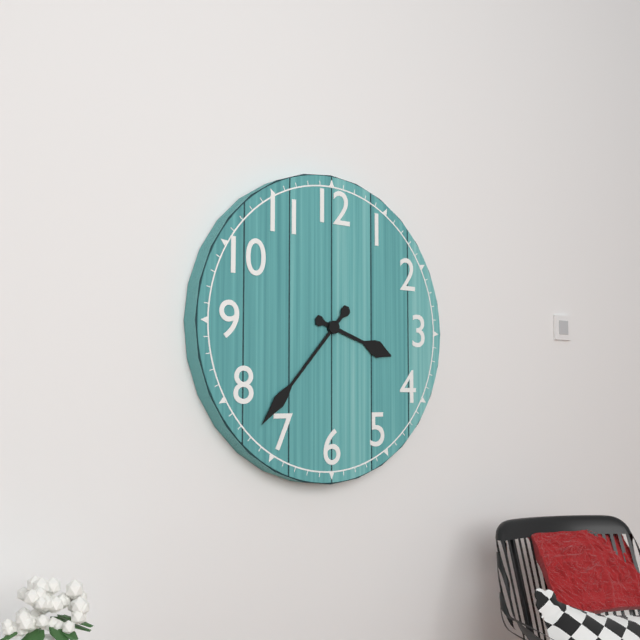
3 h 37 min
